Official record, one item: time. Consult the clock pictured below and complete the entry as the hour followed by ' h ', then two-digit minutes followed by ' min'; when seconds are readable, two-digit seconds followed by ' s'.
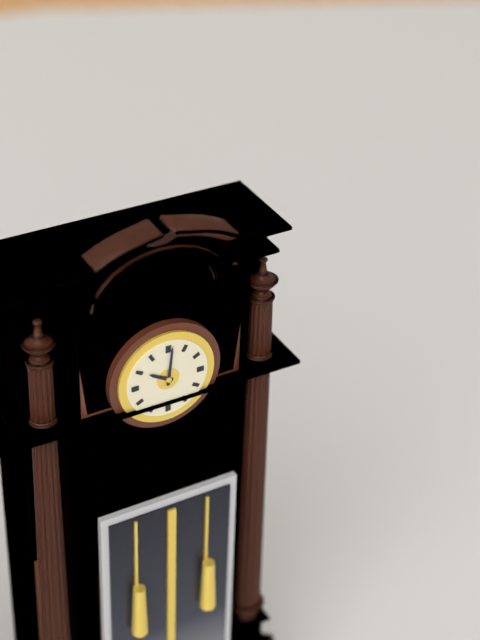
10 h 01 min
